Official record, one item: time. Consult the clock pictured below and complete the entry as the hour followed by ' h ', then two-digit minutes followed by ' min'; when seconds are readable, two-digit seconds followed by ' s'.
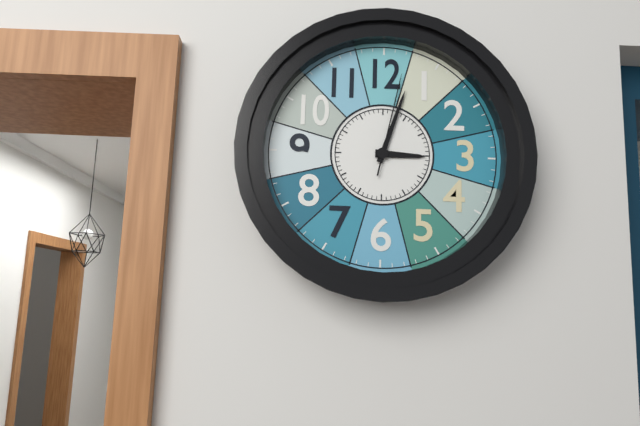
3 h 03 min 02 s
